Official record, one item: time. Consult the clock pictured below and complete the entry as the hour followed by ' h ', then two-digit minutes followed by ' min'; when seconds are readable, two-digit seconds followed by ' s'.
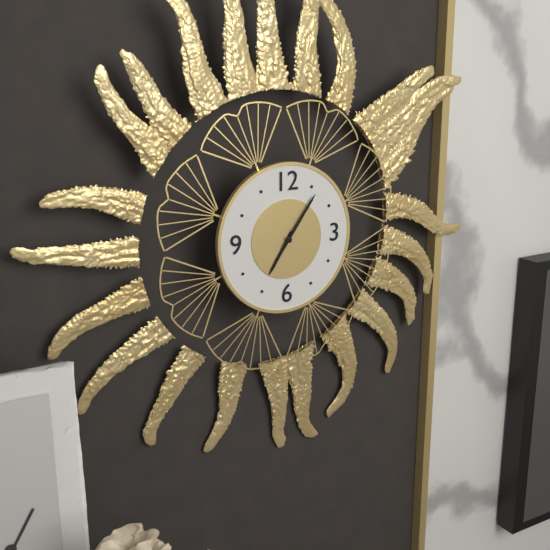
7 h 06 min
